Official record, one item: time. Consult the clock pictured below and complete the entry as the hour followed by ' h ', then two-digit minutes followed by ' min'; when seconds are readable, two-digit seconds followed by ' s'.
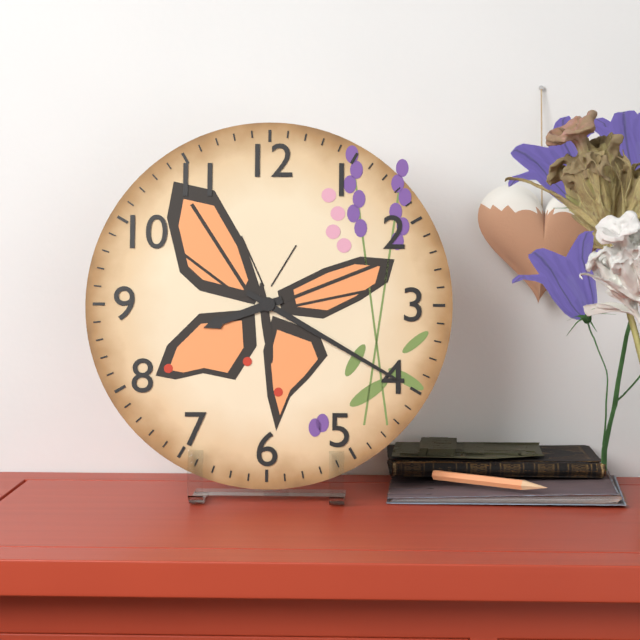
8 h 20 min
